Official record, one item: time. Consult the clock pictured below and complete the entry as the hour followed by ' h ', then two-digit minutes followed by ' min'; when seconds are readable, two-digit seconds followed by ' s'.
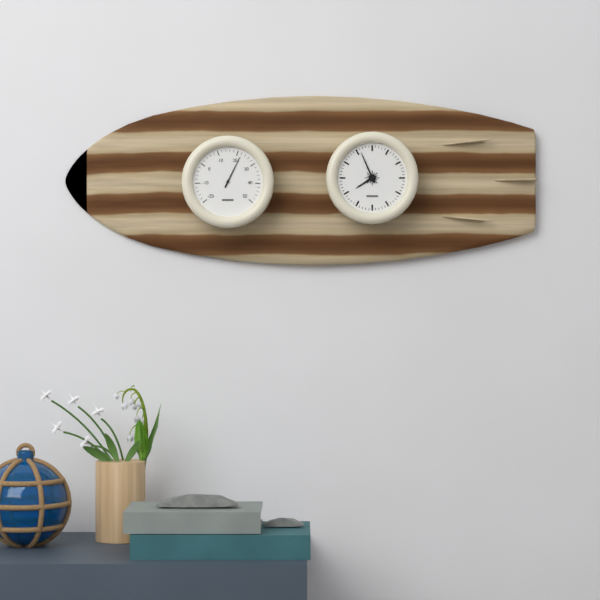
7 h 56 min
